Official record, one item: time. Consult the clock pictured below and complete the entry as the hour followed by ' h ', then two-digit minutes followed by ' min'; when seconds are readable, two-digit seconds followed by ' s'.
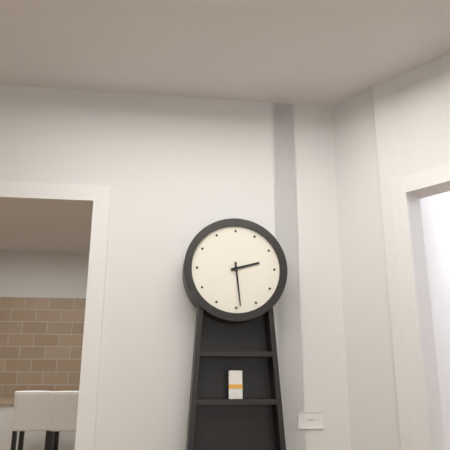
2 h 29 min
